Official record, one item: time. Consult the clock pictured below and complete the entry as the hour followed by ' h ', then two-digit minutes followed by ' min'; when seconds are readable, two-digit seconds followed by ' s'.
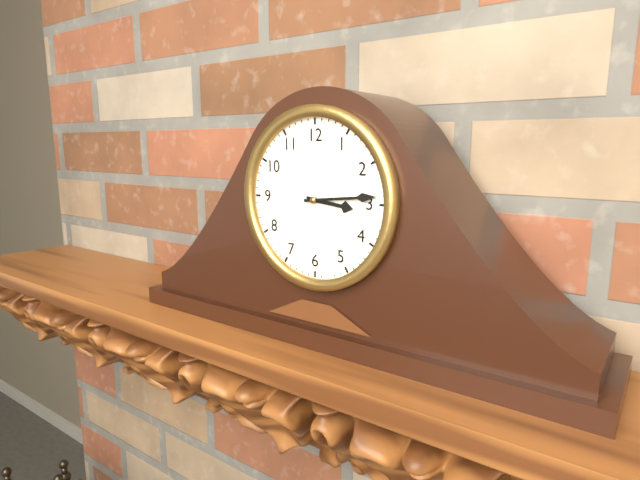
3 h 14 min
